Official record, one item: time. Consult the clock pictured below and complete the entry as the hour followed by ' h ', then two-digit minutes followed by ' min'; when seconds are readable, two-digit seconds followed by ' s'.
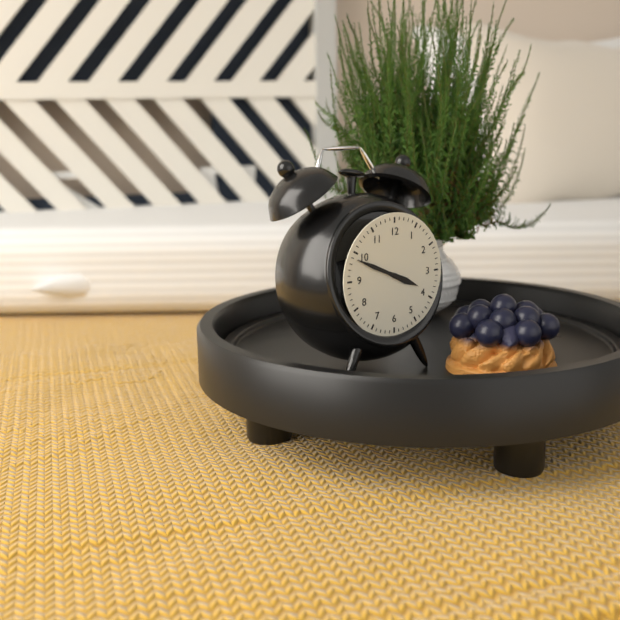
3 h 49 min
